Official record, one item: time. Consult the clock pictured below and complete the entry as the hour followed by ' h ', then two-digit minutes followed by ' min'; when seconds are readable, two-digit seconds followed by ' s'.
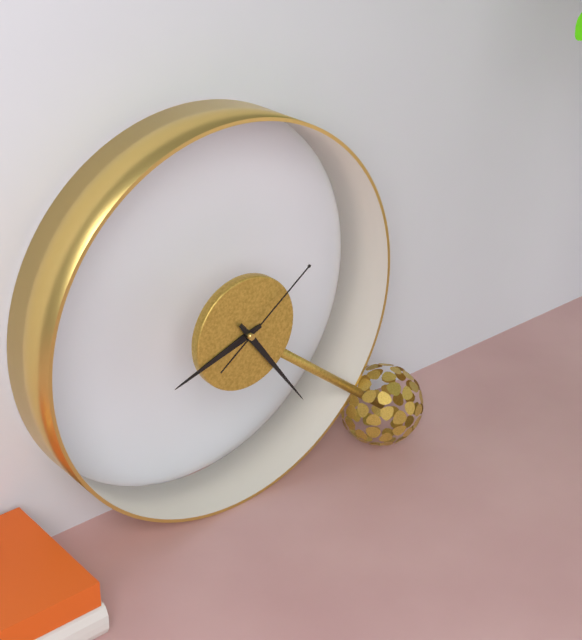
8 h 24 min 09 s
